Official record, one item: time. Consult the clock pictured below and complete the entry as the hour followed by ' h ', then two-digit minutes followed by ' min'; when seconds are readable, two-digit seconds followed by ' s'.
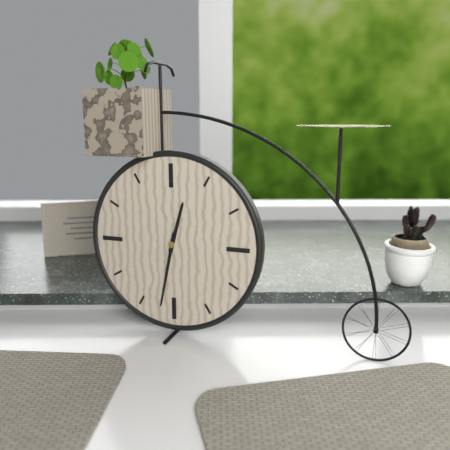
12 h 32 min
